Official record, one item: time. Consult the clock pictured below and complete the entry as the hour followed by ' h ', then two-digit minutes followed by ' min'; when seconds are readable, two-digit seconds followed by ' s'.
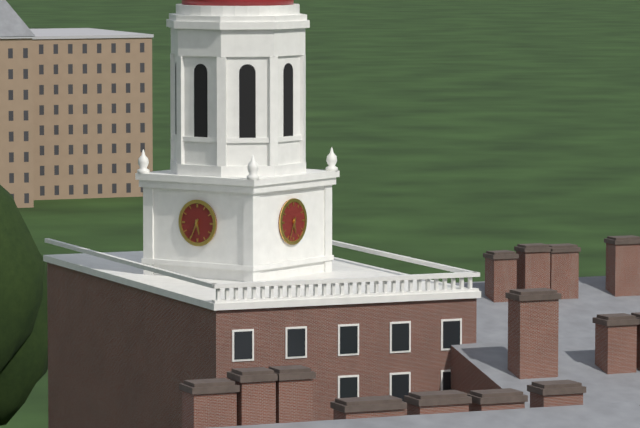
5 h 34 min
